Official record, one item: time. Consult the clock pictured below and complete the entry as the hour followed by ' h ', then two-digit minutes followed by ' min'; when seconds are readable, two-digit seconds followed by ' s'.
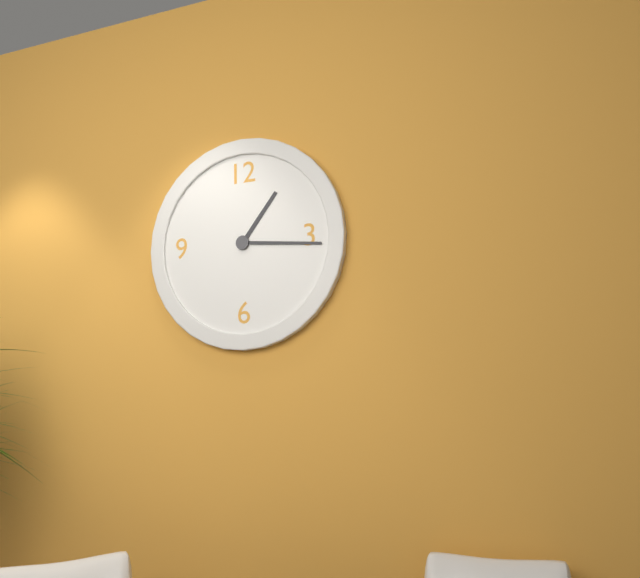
1 h 16 min
